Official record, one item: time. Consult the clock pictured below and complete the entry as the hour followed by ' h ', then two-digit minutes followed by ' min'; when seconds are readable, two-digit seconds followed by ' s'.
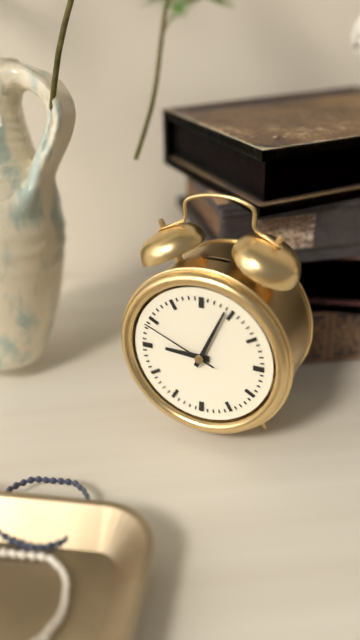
9 h 04 min 49 s
